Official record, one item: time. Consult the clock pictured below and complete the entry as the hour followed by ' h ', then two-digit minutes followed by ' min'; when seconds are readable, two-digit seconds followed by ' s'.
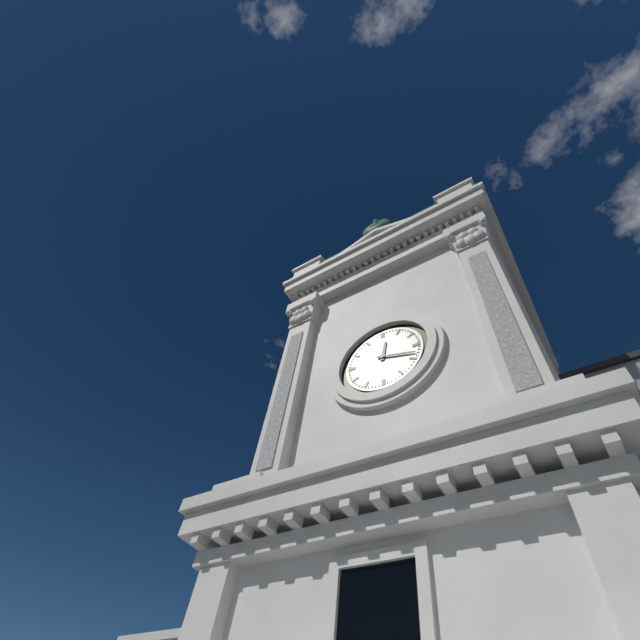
12 h 18 min
